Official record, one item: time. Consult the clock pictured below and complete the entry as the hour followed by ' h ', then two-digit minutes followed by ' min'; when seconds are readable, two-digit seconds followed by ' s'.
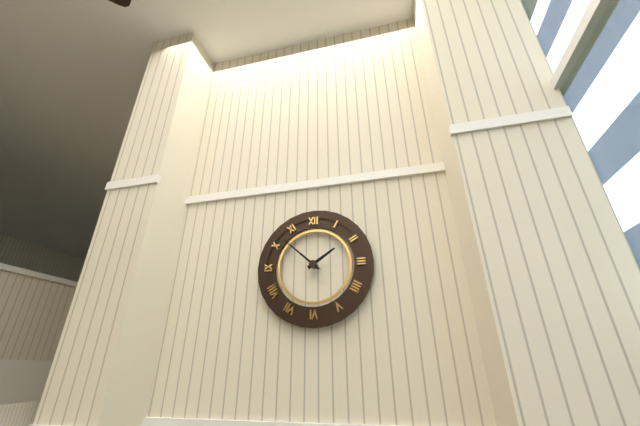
1 h 52 min
